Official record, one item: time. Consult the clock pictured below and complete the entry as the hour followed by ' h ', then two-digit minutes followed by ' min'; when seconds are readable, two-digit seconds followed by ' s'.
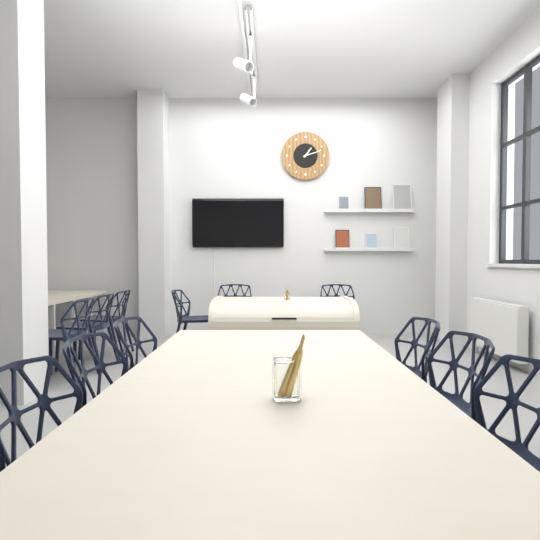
1 h 12 min
